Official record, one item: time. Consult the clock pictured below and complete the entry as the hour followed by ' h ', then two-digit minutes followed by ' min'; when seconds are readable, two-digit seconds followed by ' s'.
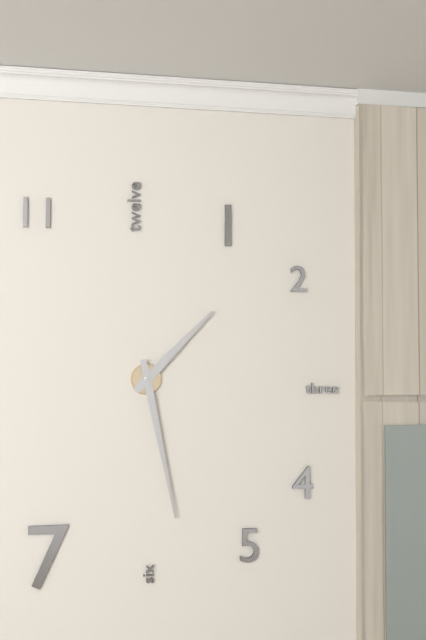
1 h 28 min
